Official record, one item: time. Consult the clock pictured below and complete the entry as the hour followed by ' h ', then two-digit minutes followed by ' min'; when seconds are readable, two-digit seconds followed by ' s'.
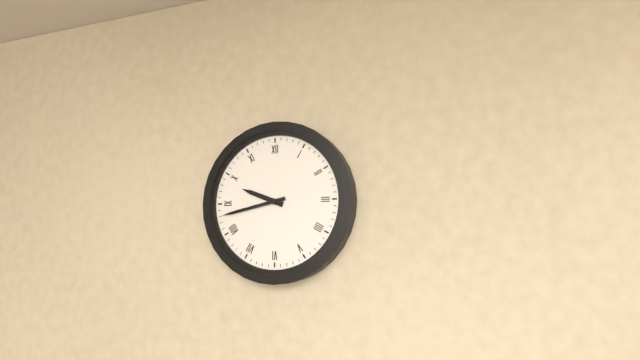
9 h 43 min
